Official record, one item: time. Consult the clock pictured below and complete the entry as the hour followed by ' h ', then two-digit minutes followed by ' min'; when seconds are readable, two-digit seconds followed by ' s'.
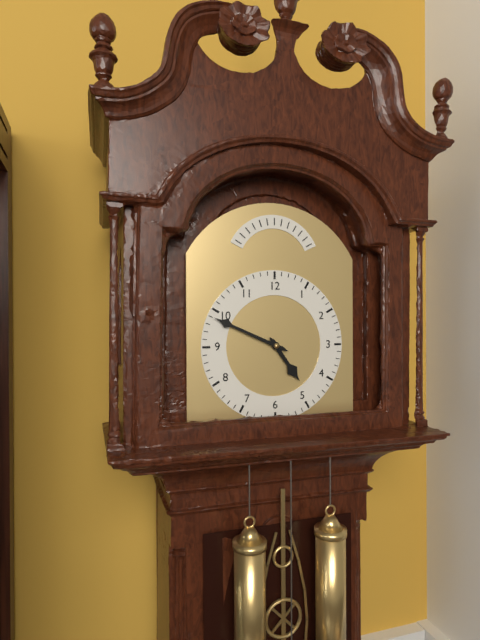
4 h 49 min
